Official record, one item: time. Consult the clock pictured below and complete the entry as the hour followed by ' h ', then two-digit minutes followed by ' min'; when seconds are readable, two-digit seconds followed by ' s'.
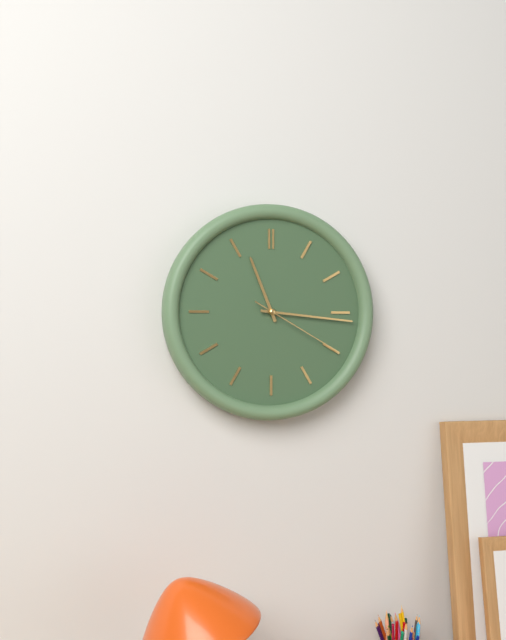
11 h 16 min 20 s
